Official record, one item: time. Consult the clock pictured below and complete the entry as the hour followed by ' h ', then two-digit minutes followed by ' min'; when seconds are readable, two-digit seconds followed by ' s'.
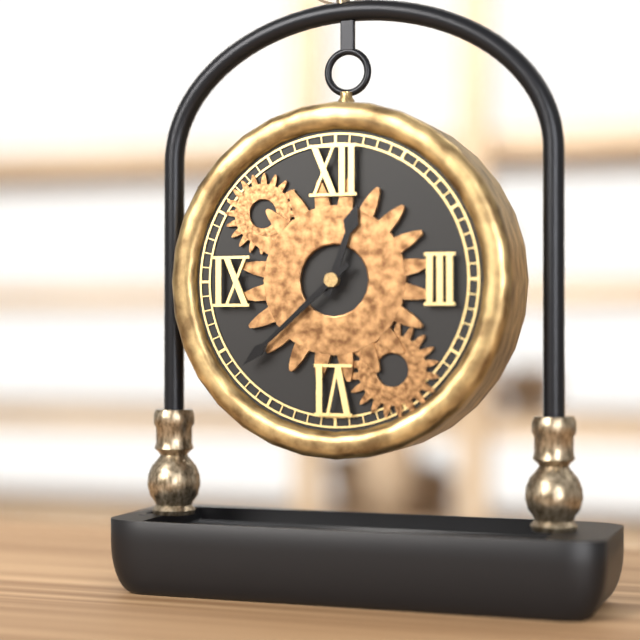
12 h 38 min
